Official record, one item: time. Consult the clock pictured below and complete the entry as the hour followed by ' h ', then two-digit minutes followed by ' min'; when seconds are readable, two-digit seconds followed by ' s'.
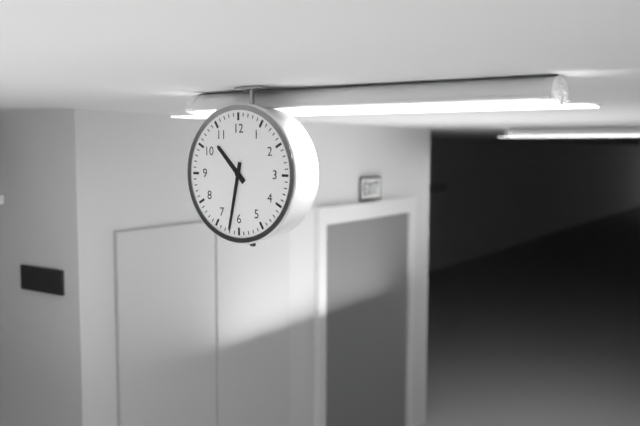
10 h 32 min
